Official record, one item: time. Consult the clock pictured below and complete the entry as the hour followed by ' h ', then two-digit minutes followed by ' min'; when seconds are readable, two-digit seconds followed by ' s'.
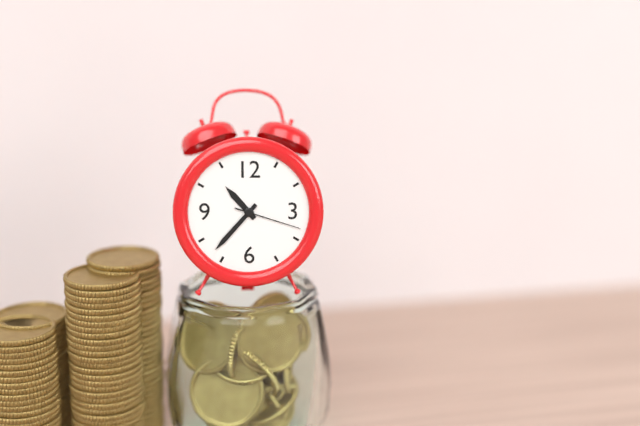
10 h 37 min 18 s
